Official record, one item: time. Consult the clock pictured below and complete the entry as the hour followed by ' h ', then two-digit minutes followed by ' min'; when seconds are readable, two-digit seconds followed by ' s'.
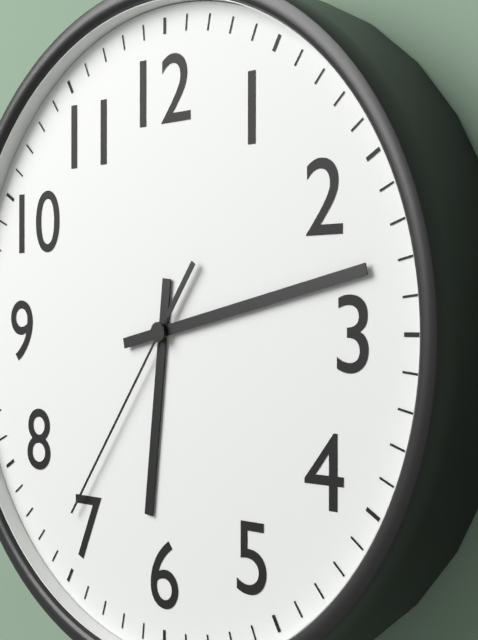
6 h 13 min 36 s
